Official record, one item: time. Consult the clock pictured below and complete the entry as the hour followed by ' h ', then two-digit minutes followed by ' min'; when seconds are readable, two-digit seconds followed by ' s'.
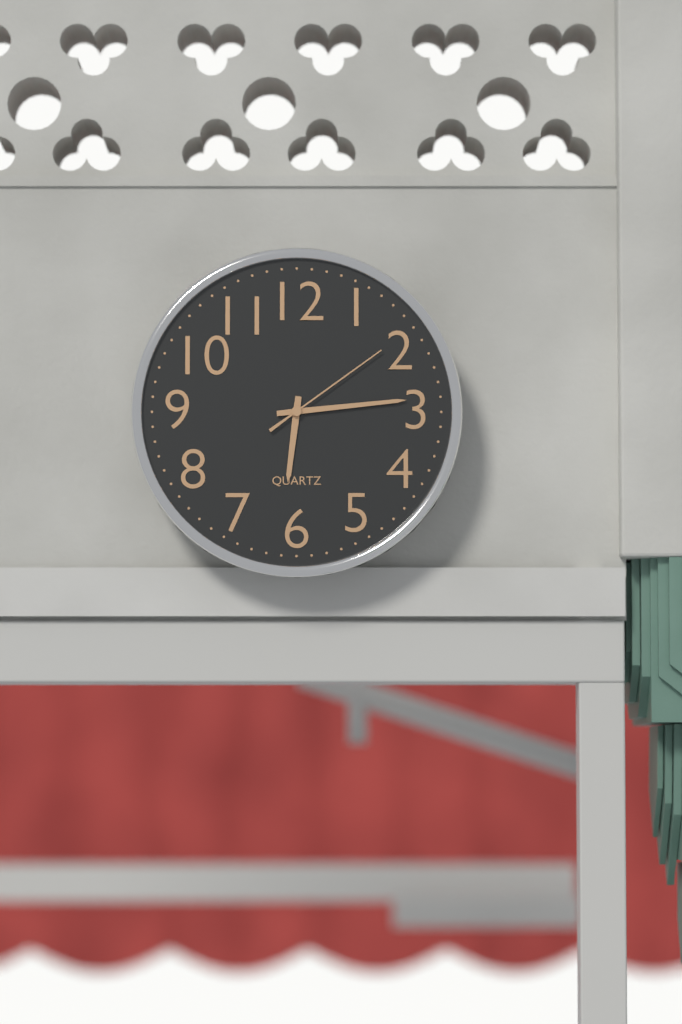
6 h 14 min 09 s
